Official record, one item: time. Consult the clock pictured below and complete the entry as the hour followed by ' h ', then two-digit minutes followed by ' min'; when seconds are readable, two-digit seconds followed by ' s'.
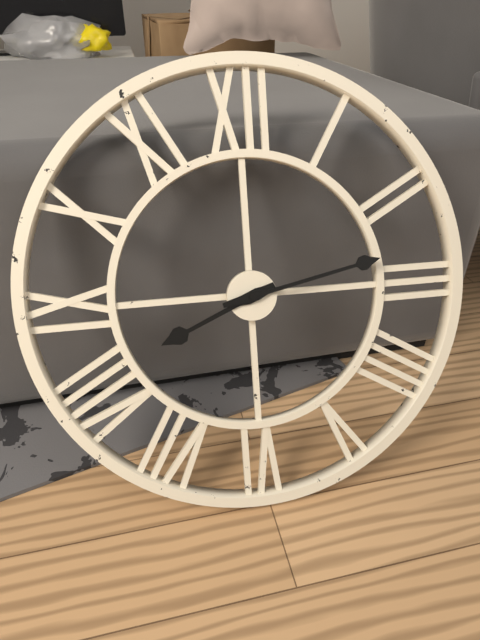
8 h 13 min
